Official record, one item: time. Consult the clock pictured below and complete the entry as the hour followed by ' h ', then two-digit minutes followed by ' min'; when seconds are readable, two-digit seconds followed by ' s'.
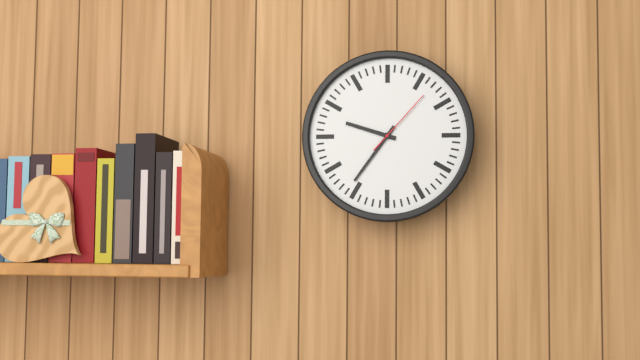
9 h 36 min 07 s
